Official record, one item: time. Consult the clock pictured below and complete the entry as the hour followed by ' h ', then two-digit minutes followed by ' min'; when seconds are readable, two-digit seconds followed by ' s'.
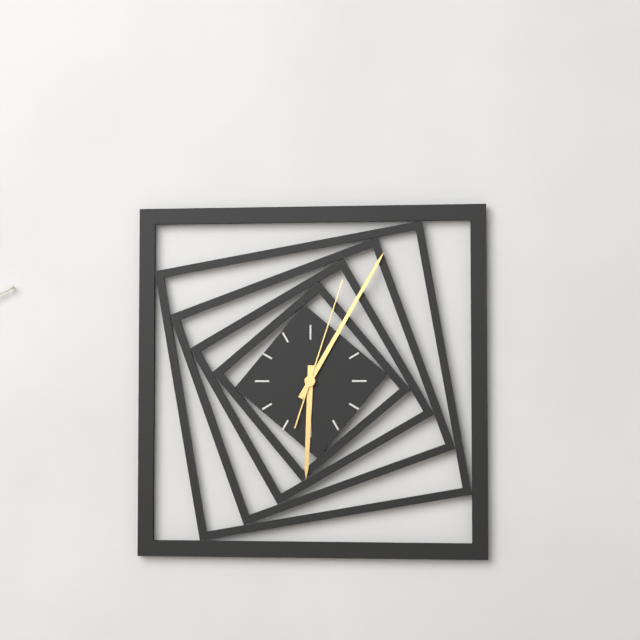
6 h 05 min 03 s
